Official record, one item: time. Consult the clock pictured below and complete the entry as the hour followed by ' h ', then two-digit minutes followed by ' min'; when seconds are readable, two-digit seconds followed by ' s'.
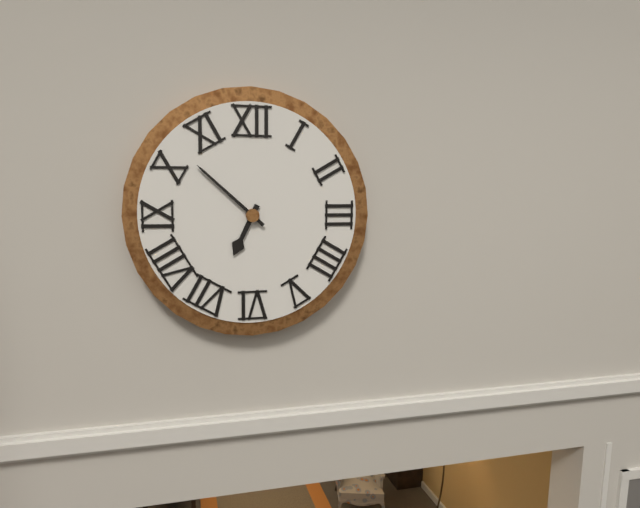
6 h 52 min
